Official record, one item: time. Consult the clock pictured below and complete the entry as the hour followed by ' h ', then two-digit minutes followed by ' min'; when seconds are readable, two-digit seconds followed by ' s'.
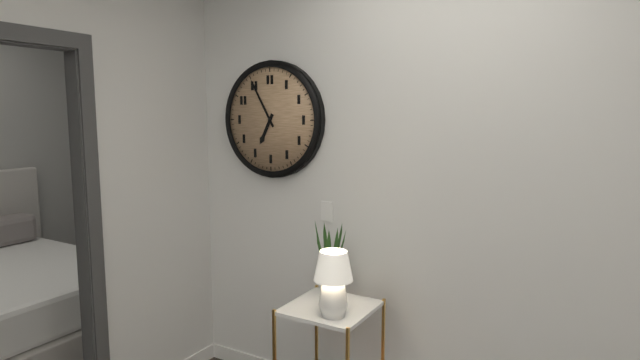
6 h 55 min
